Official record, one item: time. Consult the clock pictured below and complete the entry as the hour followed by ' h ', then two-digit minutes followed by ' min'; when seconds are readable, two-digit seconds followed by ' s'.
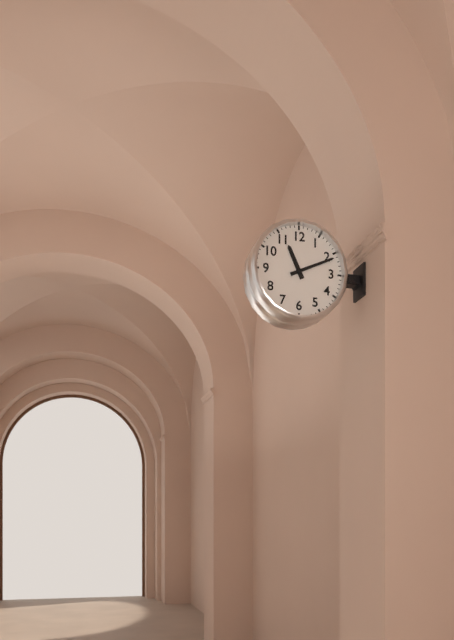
11 h 11 min
